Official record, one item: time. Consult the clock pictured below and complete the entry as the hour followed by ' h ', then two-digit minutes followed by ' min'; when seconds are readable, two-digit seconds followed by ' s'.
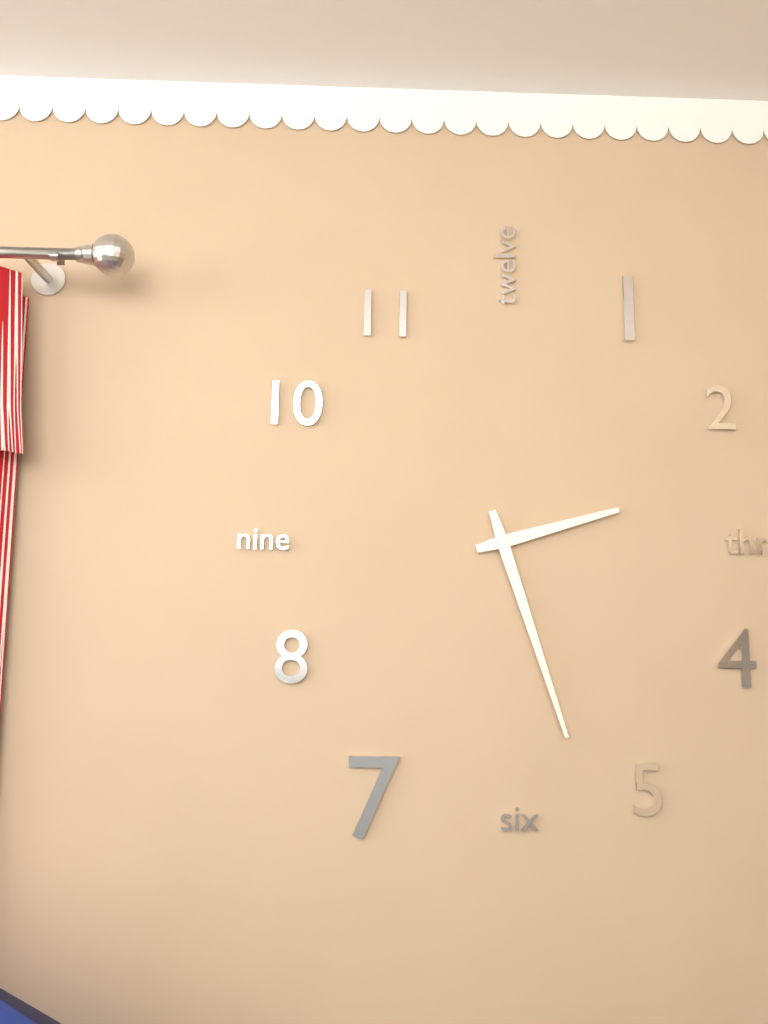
2 h 27 min
